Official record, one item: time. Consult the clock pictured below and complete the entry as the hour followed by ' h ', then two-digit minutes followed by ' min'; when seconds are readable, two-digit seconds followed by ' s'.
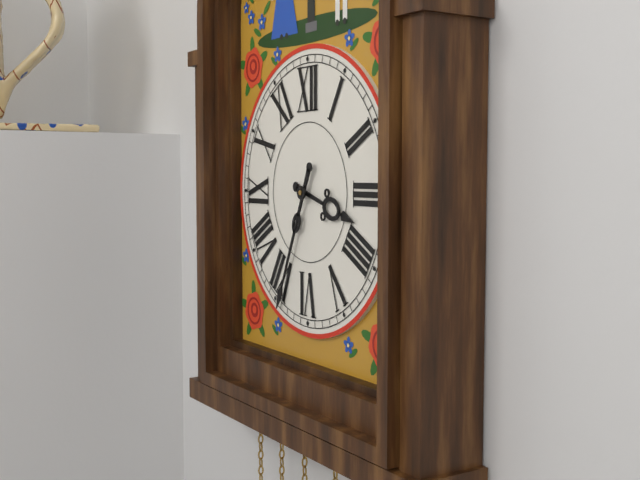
3 h 34 min
